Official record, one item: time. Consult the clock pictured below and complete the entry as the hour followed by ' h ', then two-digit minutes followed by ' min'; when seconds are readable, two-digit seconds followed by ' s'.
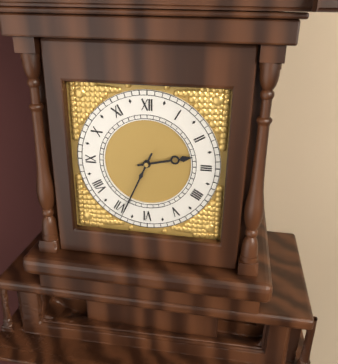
2 h 34 min
